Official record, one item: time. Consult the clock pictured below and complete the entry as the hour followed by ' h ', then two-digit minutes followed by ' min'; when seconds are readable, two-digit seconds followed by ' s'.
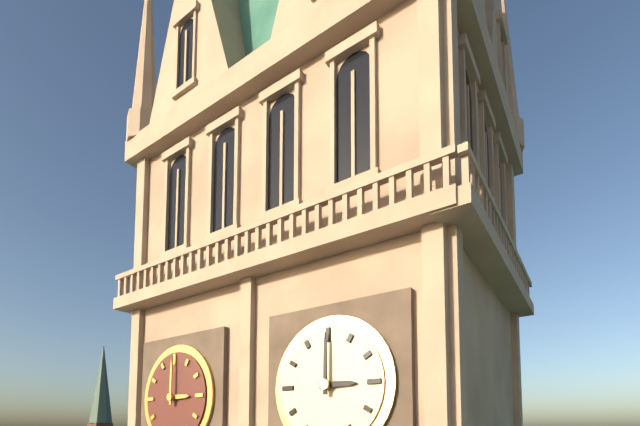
3 h 00 min
